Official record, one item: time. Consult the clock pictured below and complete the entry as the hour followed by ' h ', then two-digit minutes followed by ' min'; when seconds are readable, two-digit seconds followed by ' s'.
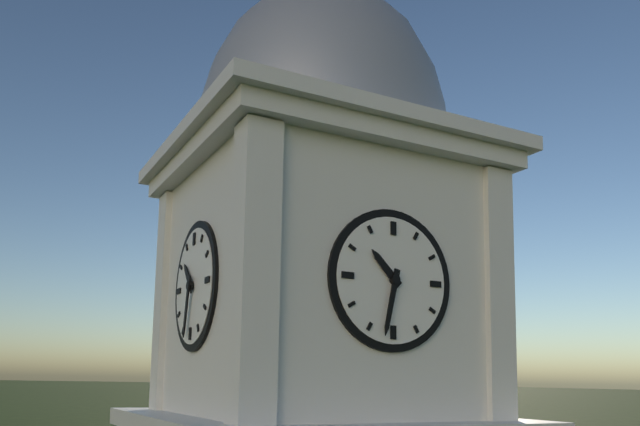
10 h 32 min
